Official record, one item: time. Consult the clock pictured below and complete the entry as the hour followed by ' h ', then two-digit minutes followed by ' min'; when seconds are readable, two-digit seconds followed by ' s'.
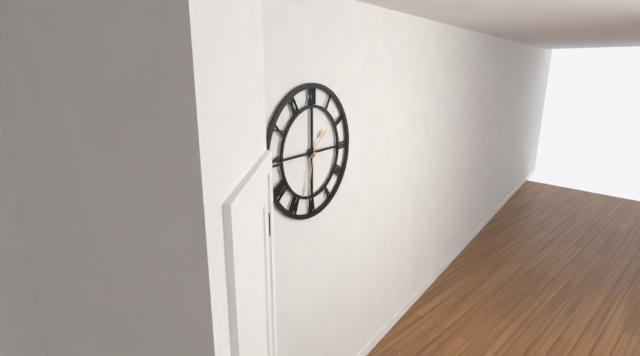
1 h 32 min
